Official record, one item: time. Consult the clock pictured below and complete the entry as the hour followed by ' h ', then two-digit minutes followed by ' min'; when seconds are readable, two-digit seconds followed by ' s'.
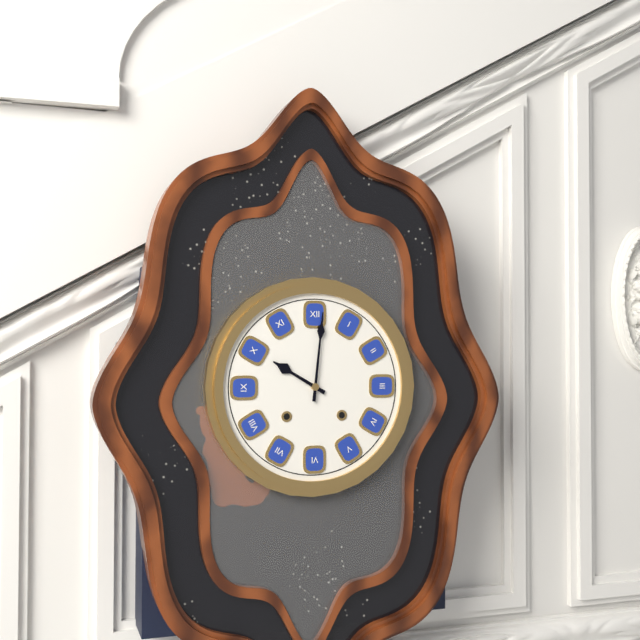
10 h 01 min
